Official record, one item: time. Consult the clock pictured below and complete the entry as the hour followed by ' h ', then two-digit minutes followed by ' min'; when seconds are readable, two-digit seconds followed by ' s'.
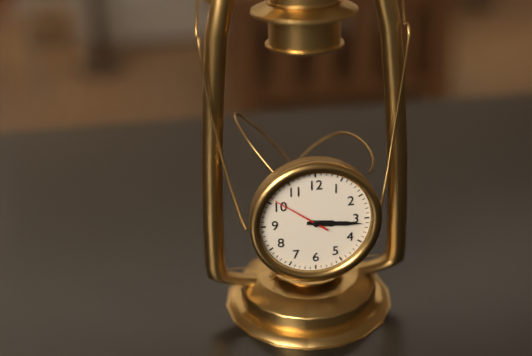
3 h 16 min 51 s
